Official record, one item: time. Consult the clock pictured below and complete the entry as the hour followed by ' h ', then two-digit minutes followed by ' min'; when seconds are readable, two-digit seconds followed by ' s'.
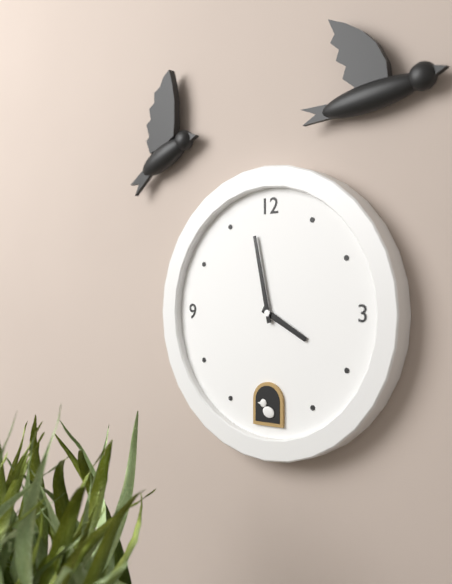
3 h 58 min
